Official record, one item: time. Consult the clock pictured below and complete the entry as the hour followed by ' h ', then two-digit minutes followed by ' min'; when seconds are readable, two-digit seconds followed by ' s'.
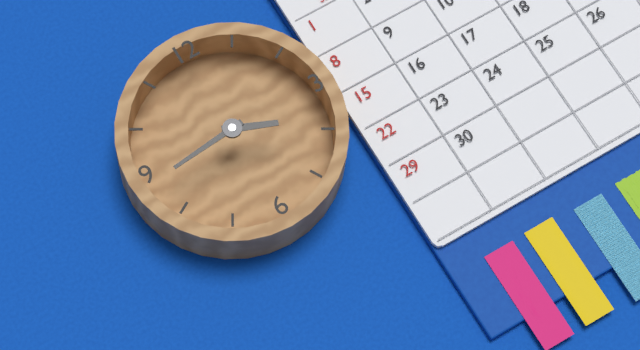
3 h 44 min
